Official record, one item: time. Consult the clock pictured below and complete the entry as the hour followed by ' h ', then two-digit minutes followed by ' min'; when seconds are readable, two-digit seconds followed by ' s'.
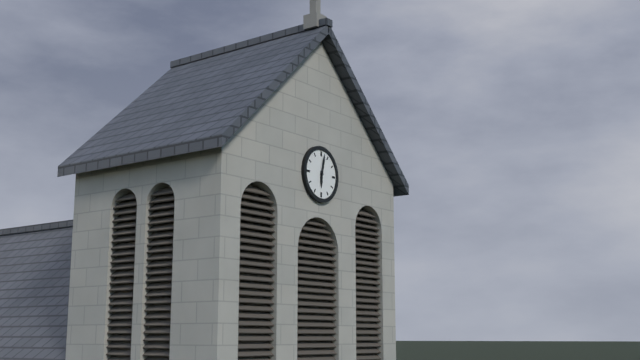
6 h 02 min
